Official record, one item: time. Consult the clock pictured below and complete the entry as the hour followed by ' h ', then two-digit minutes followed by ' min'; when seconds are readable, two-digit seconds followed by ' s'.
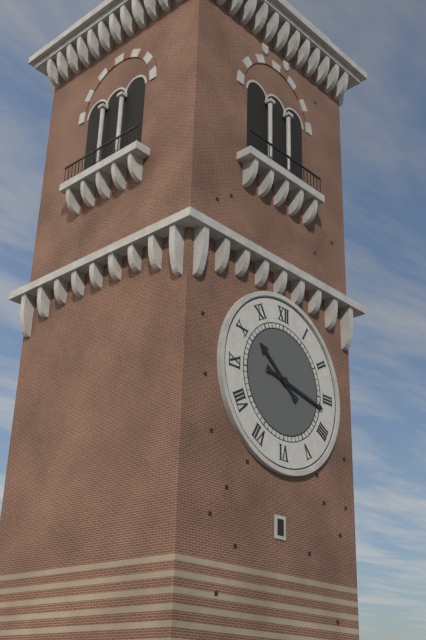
10 h 17 min
